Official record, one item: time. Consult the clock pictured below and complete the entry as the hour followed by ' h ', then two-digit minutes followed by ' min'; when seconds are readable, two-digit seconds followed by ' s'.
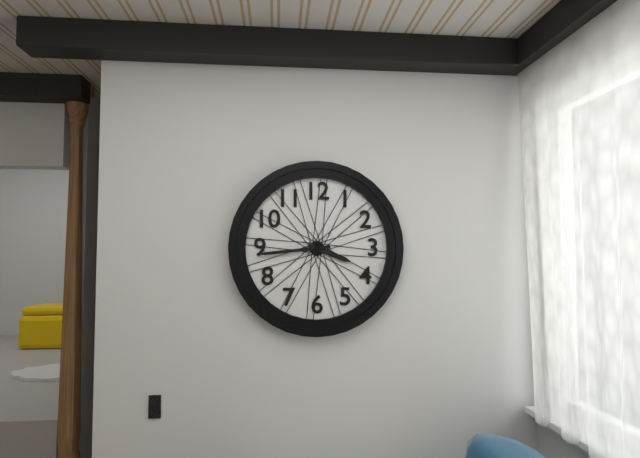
3 h 44 min
